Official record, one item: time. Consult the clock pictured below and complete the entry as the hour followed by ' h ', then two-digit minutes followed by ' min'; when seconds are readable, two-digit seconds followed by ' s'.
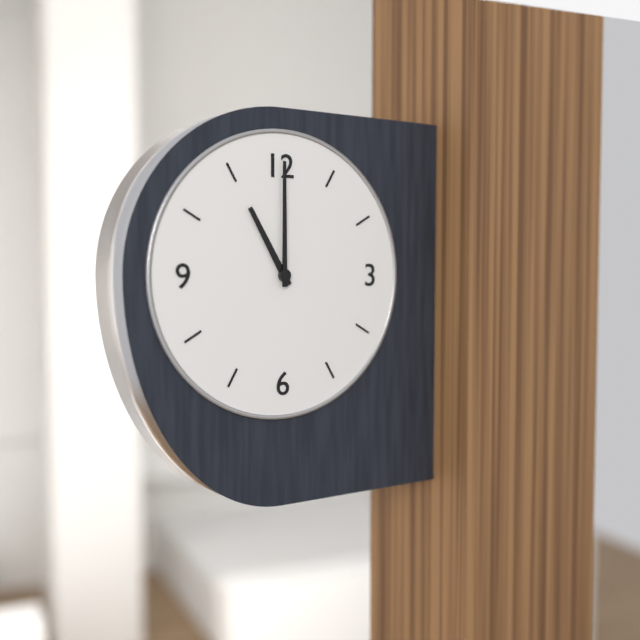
11 h 00 min
